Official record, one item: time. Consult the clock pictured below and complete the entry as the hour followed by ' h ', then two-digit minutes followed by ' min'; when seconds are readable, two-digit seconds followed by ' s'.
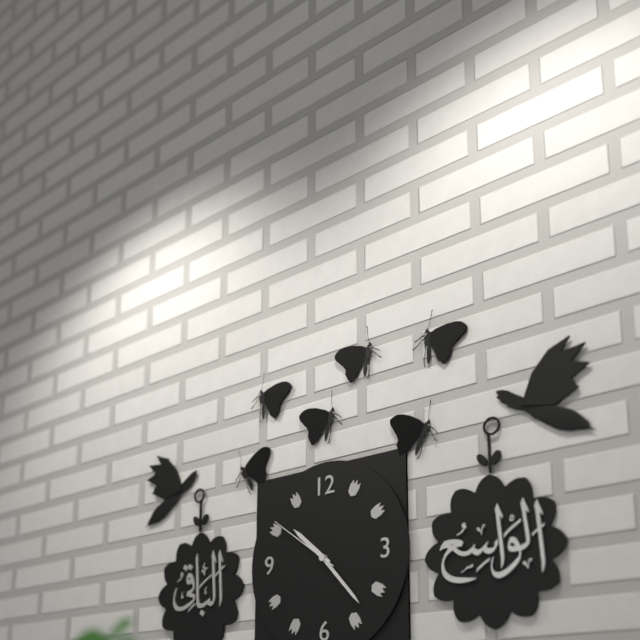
10 h 23 min 51 s
